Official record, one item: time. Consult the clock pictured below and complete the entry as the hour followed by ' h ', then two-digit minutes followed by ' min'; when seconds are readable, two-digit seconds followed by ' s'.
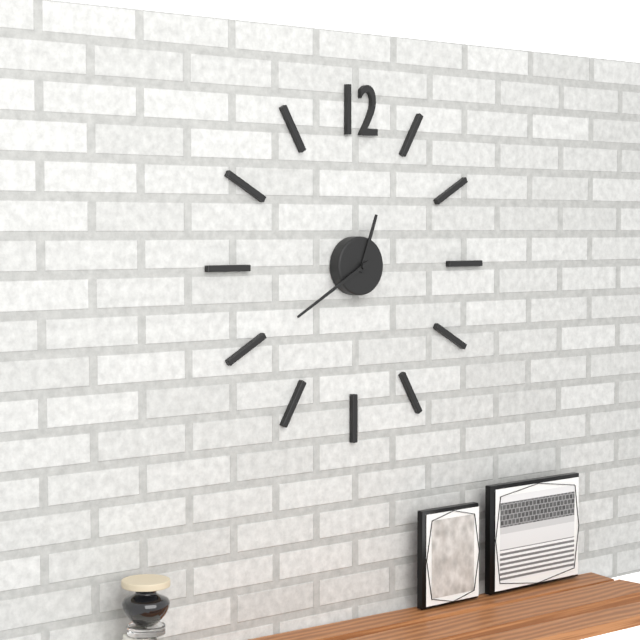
12 h 40 min
